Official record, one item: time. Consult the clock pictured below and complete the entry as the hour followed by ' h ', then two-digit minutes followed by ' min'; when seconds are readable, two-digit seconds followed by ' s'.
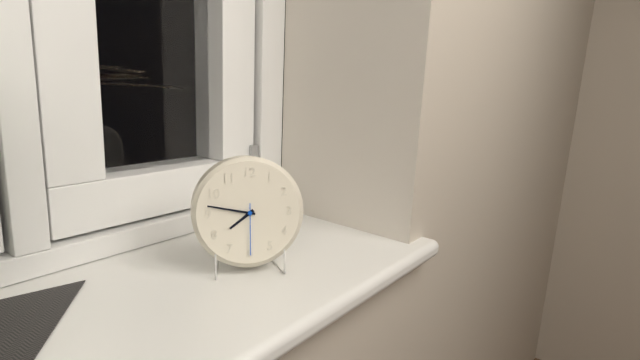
7 h 47 min 30 s
